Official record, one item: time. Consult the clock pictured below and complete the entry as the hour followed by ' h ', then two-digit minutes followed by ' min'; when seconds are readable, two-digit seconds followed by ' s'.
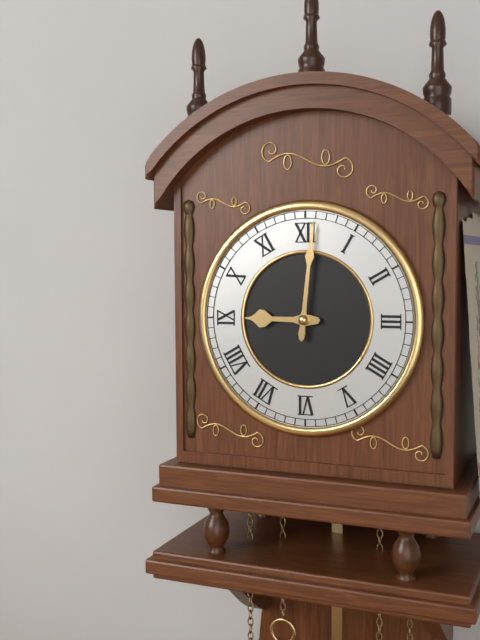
9 h 01 min
